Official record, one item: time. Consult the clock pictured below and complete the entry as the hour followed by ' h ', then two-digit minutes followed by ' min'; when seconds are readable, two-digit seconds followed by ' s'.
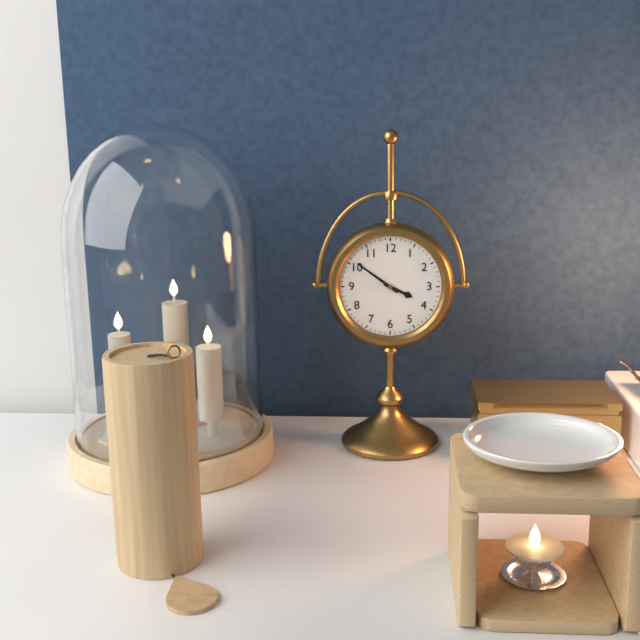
3 h 51 min
